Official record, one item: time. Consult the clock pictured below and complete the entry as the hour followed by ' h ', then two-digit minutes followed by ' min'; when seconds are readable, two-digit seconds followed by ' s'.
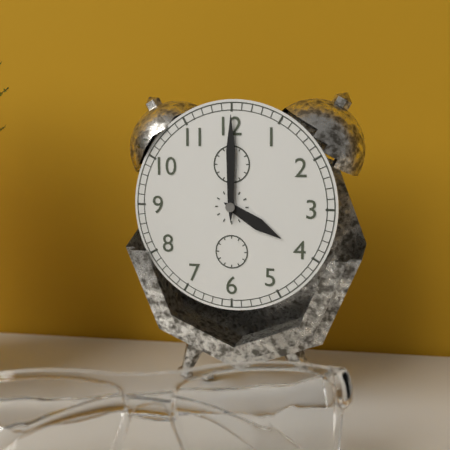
4 h 00 min
